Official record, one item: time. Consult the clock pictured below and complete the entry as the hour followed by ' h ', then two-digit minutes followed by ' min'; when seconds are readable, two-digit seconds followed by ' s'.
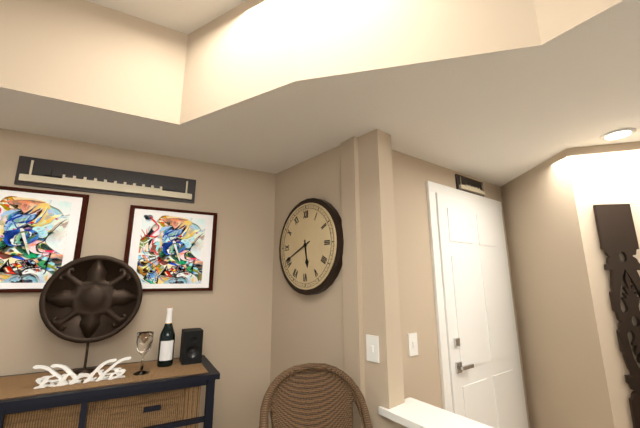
5 h 41 min
